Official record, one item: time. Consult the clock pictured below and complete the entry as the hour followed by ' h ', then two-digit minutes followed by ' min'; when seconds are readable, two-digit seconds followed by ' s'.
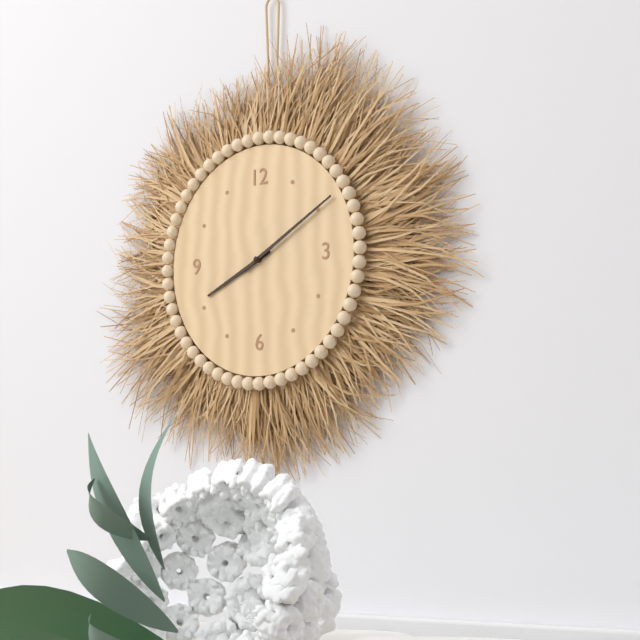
8 h 10 min
